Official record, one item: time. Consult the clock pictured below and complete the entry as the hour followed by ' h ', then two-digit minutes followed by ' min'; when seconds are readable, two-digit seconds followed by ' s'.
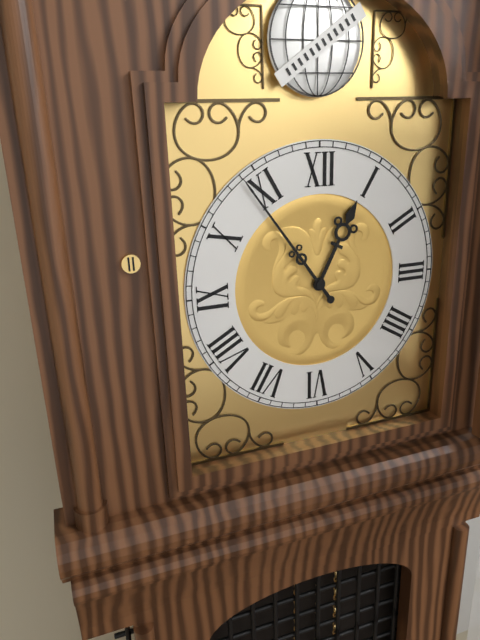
12 h 54 min
